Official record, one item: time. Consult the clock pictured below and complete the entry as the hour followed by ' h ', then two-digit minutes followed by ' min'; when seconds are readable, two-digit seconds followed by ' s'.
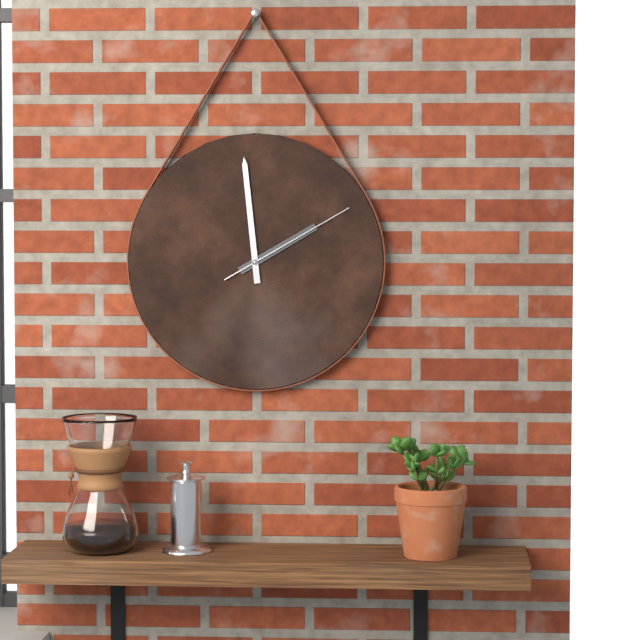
1 h 59 min 10 s
